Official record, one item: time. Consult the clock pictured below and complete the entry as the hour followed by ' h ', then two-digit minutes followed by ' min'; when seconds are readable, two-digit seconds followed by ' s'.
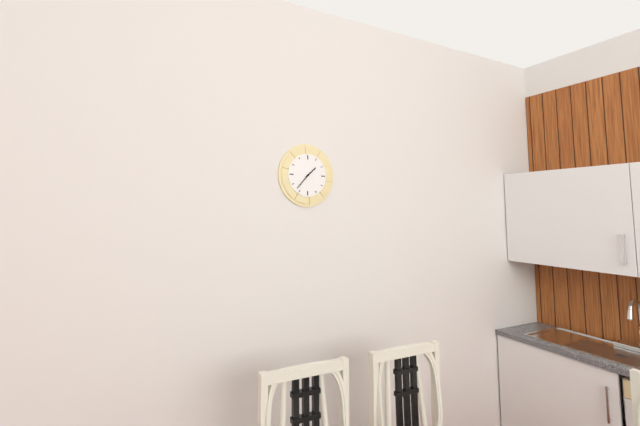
1 h 37 min
